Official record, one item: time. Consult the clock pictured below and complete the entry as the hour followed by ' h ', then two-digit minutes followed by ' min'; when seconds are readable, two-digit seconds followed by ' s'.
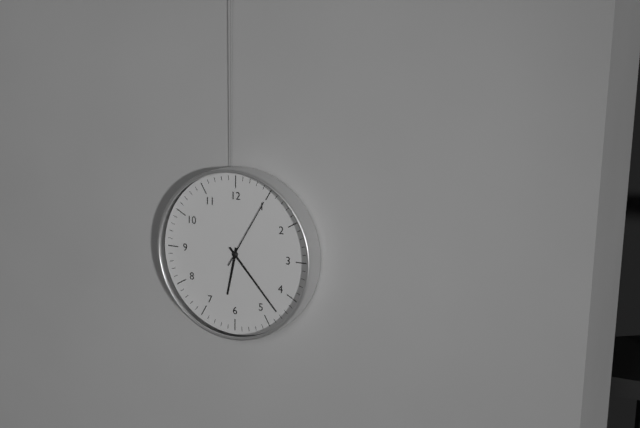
6 h 23 min 05 s
